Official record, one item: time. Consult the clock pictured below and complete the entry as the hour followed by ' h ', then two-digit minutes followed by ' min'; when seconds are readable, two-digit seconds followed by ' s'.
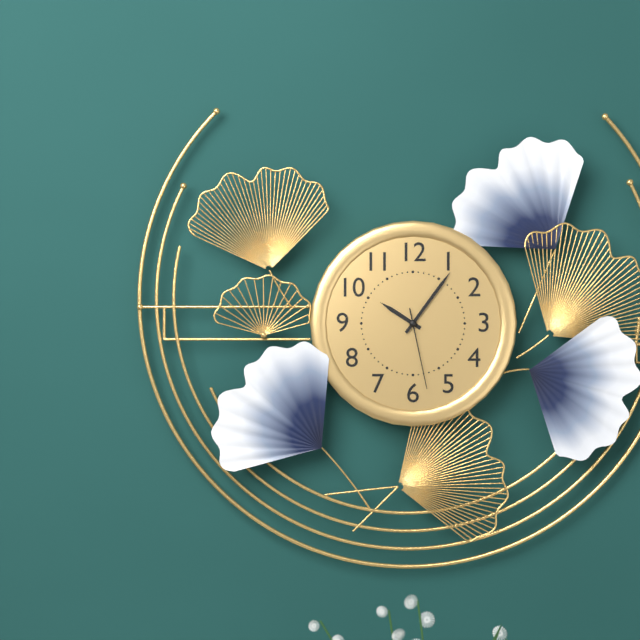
10 h 06 min 28 s
